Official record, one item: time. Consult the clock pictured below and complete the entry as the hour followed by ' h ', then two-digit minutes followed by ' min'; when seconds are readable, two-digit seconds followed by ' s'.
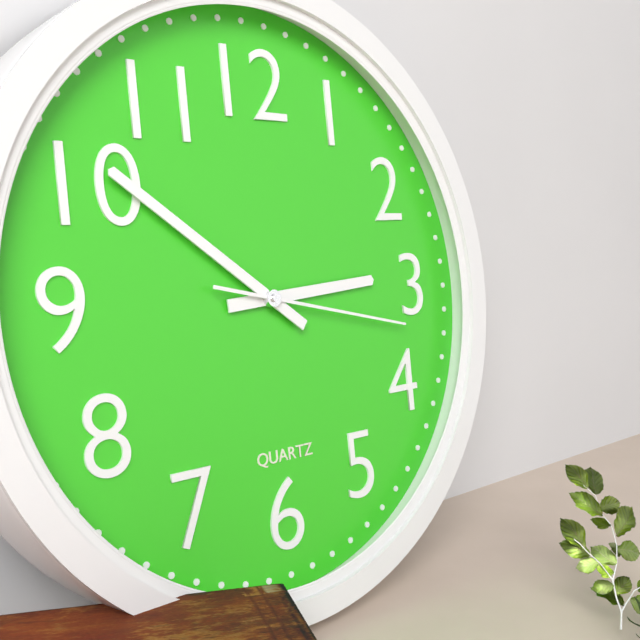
2 h 51 min 17 s
